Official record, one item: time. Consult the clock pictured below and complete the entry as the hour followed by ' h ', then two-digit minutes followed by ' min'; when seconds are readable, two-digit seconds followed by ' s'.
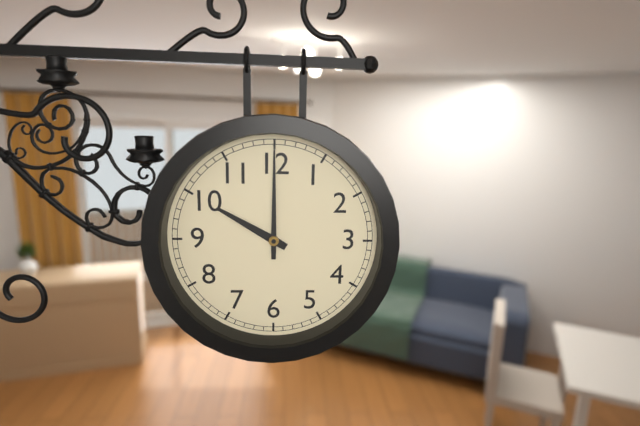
10 h 00 min
